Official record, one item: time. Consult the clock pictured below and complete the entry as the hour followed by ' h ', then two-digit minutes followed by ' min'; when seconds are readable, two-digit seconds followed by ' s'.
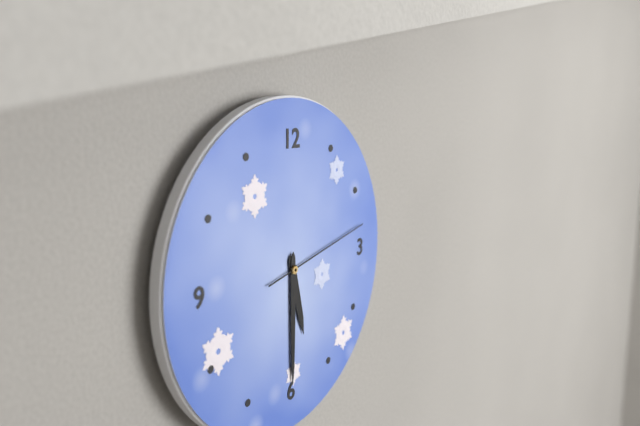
5 h 30 min 13 s
